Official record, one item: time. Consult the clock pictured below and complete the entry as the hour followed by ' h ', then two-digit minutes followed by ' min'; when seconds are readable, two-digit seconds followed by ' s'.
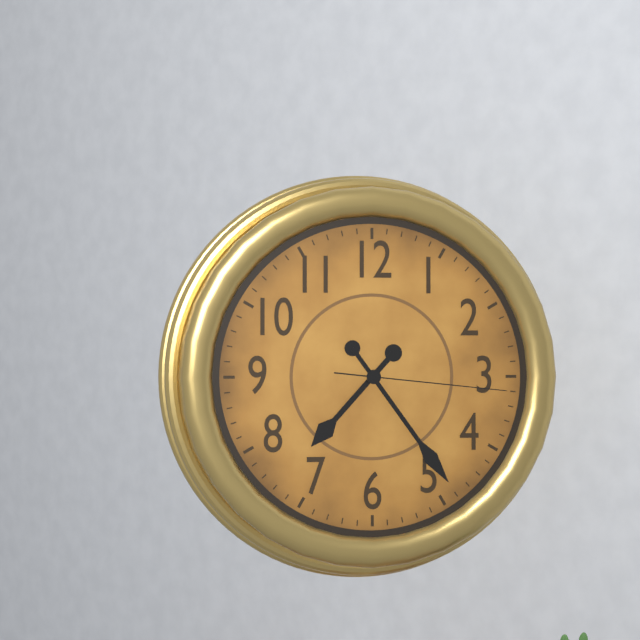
7 h 24 min 16 s
